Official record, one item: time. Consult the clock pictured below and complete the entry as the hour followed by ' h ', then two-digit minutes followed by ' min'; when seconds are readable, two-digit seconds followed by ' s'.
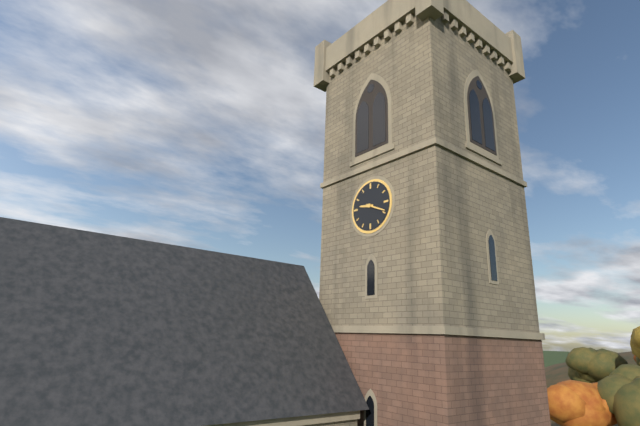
9 h 19 min
